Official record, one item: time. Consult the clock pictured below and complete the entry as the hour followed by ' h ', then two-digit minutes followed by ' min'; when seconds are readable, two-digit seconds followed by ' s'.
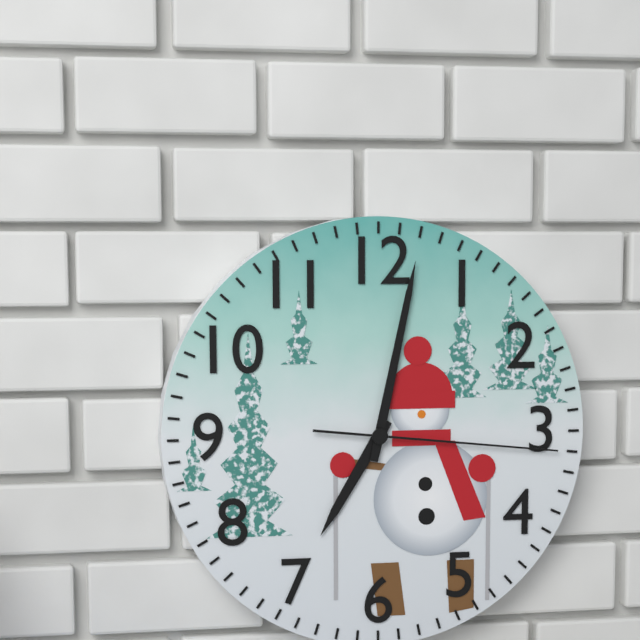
7 h 02 min 16 s
